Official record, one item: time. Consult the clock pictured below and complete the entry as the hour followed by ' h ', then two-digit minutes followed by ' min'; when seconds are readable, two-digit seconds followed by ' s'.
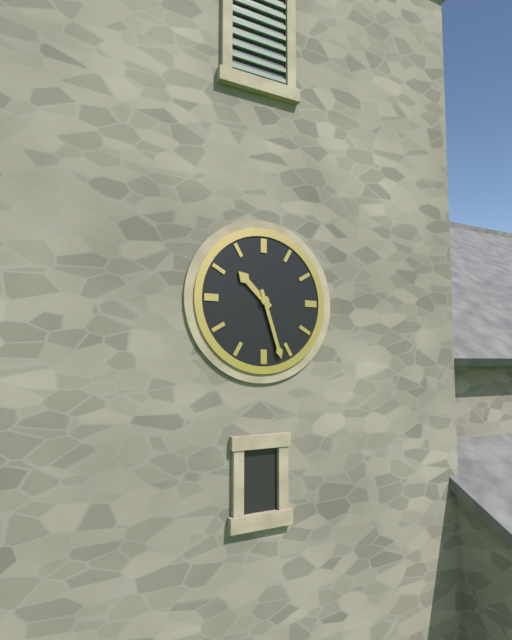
10 h 27 min
